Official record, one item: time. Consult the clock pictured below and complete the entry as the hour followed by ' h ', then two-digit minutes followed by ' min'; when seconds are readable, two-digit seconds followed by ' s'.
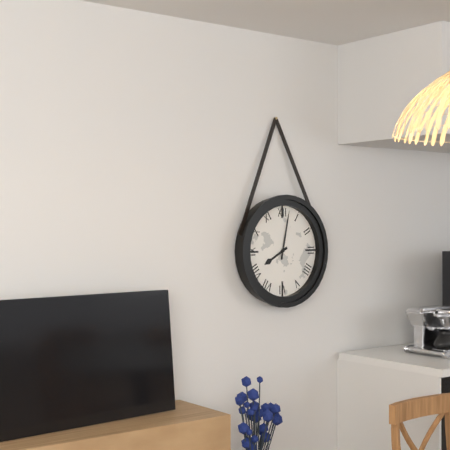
8 h 02 min
